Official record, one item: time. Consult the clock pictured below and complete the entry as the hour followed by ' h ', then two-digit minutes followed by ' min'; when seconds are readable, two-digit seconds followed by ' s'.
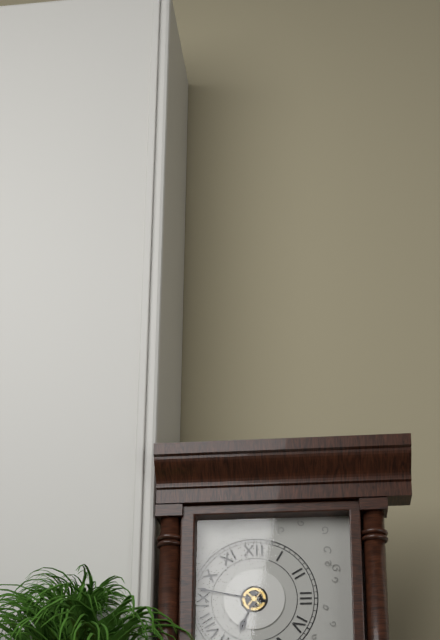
6 h 47 min
